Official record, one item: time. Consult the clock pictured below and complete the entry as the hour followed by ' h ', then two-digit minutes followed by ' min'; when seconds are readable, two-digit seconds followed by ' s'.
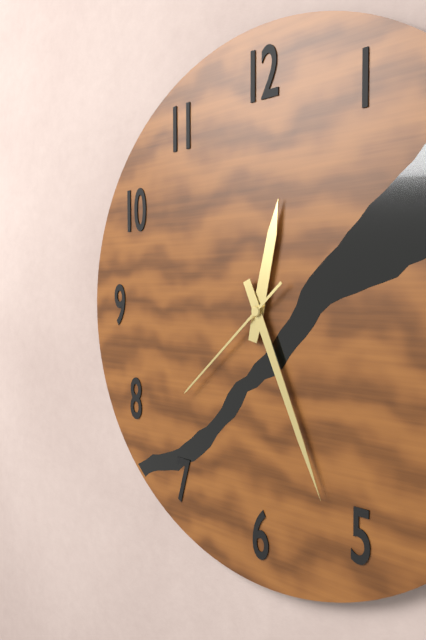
12 h 26 min 38 s
